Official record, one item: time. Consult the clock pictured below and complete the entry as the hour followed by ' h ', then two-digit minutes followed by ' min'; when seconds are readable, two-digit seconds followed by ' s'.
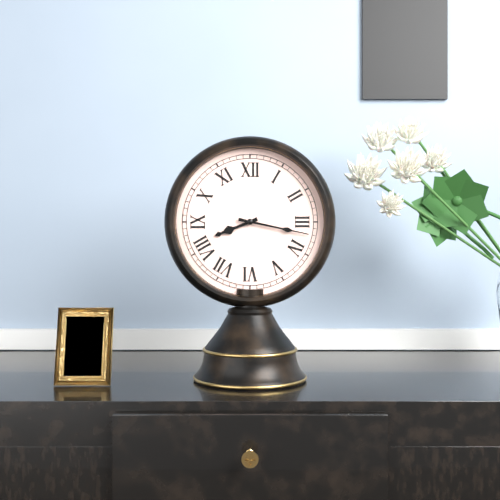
8 h 17 min
